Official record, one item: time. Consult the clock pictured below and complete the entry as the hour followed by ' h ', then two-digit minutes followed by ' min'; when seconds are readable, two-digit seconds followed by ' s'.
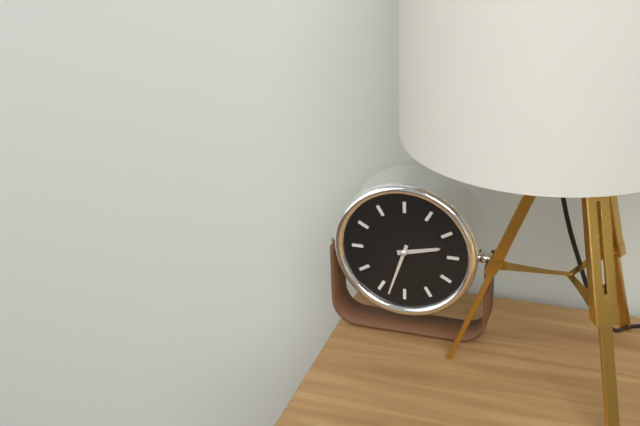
2 h 33 min
